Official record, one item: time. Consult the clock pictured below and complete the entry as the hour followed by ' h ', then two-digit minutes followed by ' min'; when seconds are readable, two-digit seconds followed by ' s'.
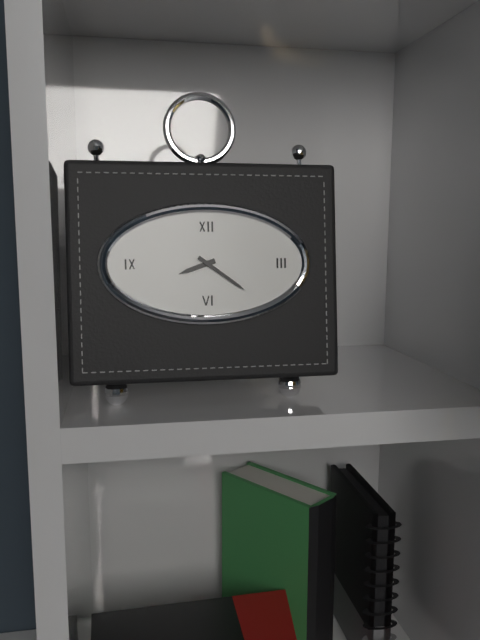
8 h 21 min
